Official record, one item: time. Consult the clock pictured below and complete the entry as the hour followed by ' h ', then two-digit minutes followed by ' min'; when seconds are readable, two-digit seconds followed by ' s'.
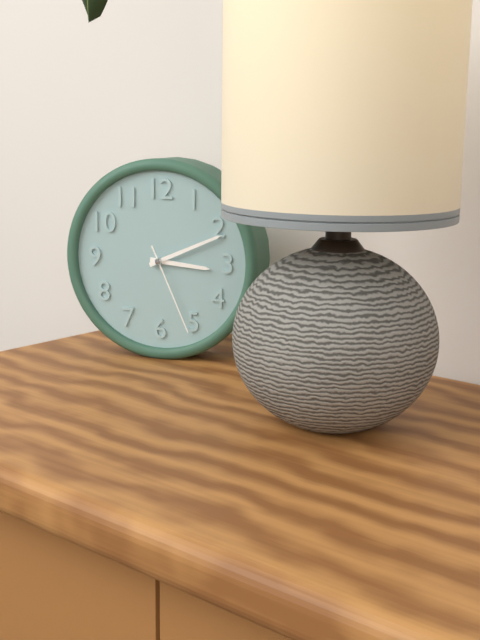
3 h 11 min 26 s
